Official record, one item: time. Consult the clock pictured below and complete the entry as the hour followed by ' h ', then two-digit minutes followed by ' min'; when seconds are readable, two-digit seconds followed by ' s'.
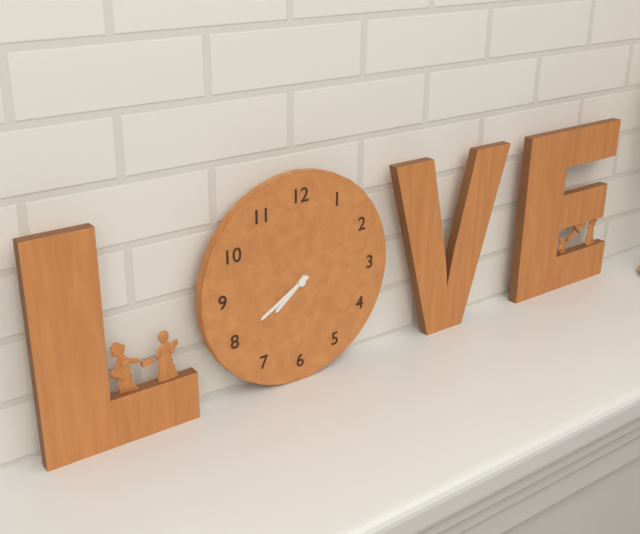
7 h 40 min
